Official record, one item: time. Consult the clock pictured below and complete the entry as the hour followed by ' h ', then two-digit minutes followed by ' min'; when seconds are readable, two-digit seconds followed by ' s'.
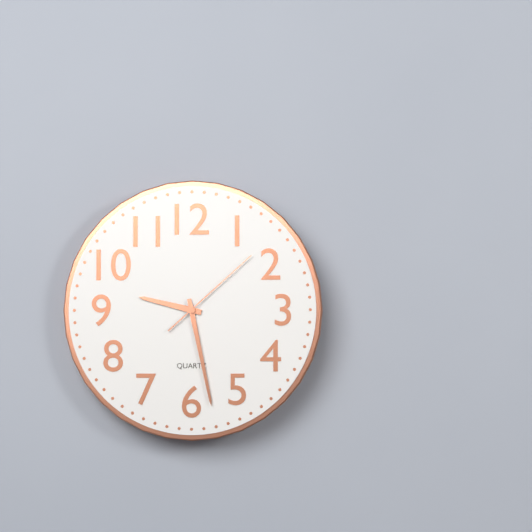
9 h 28 min 08 s
